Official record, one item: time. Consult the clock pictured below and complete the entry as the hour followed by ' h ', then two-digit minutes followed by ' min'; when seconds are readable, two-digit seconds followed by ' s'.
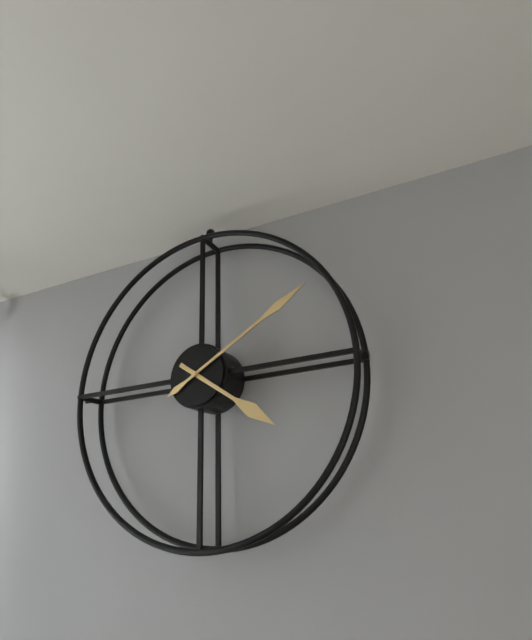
4 h 10 min
